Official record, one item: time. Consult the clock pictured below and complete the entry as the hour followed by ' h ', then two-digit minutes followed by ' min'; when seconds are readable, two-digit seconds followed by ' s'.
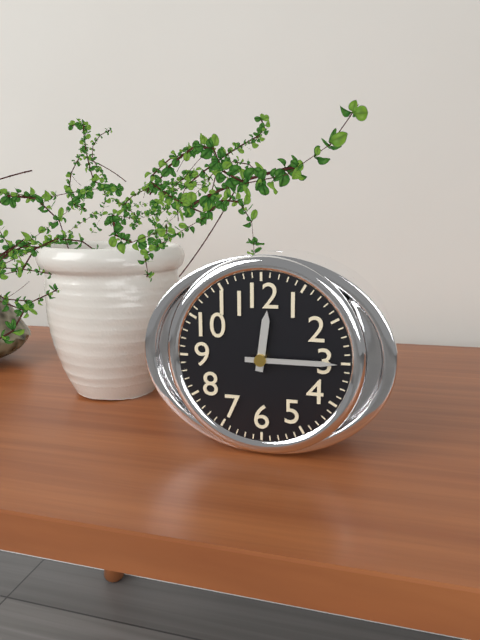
12 h 15 min
